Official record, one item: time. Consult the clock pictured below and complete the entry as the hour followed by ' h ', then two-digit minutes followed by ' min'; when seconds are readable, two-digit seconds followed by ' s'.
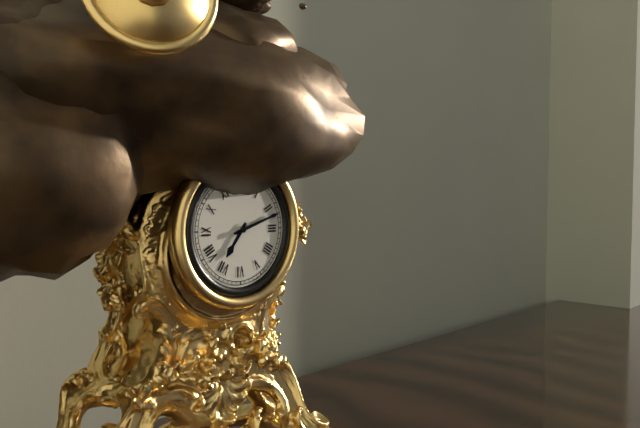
7 h 12 min
